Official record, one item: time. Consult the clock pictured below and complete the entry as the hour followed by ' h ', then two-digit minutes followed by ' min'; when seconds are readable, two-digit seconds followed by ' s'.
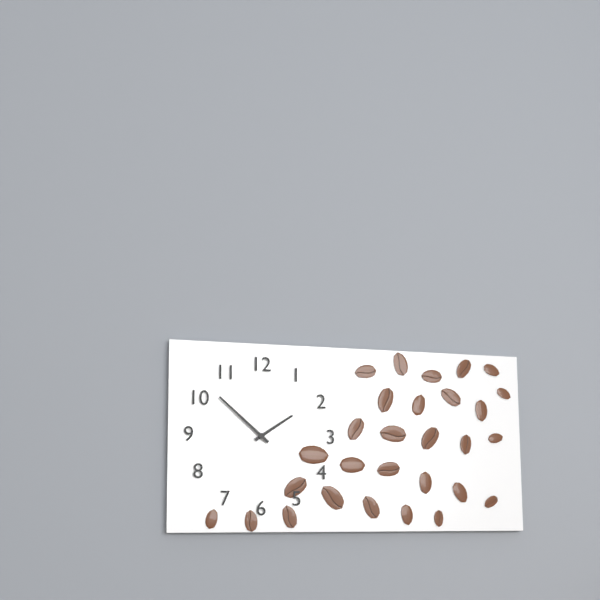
1 h 52 min
